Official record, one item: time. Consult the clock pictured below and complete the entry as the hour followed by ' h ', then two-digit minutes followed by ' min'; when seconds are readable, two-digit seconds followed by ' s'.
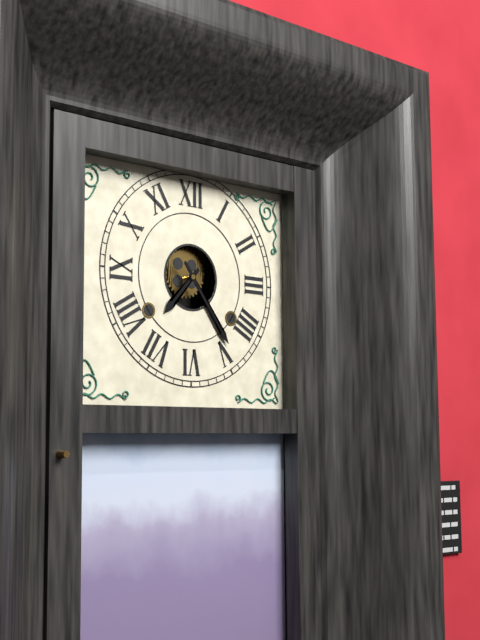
7 h 24 min
